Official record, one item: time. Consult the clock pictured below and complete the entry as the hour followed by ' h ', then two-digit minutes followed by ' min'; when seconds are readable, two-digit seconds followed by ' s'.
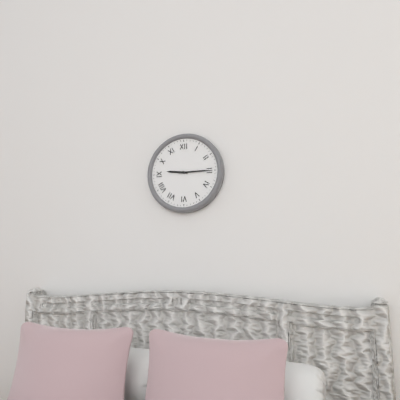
9 h 15 min
